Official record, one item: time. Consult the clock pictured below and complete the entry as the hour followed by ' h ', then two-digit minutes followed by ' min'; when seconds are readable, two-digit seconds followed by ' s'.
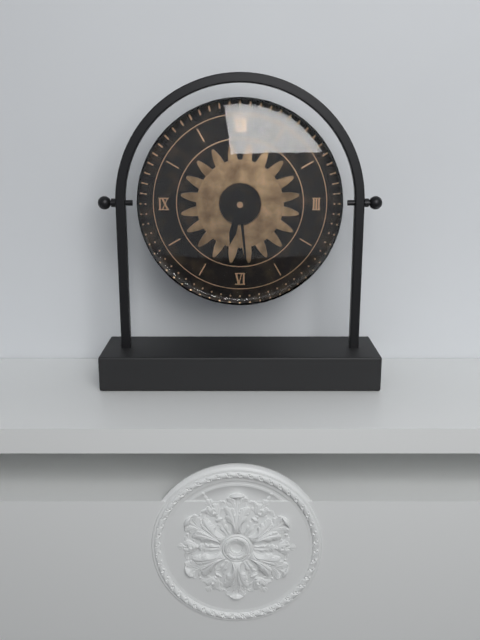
6 h 29 min
